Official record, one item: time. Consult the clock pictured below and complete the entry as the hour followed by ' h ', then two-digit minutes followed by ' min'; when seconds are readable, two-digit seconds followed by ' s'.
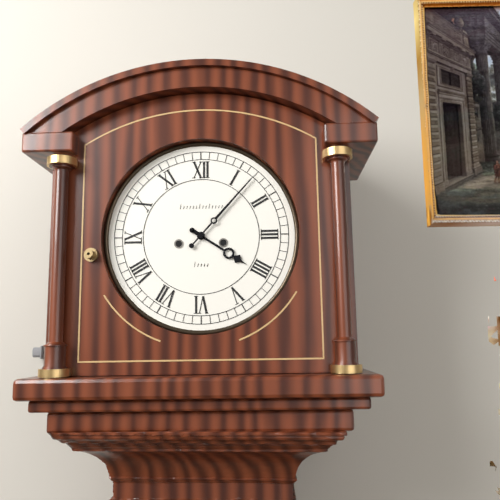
4 h 07 min
